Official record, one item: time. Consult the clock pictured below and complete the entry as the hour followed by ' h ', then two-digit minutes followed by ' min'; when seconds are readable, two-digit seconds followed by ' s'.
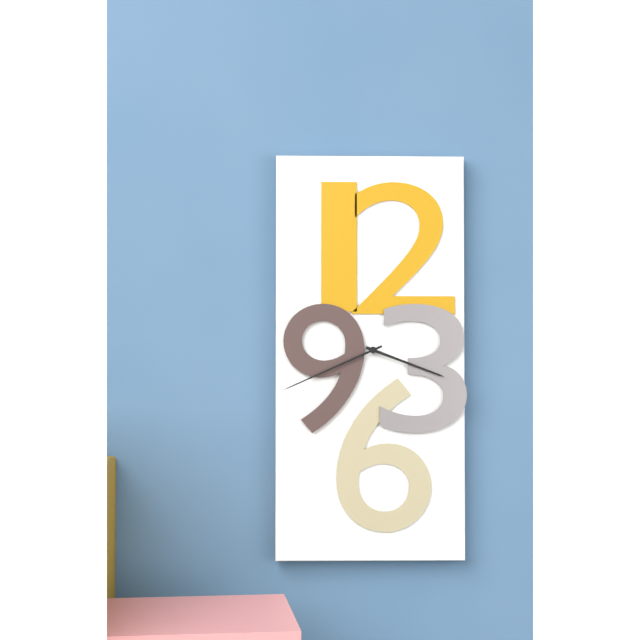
3 h 41 min
